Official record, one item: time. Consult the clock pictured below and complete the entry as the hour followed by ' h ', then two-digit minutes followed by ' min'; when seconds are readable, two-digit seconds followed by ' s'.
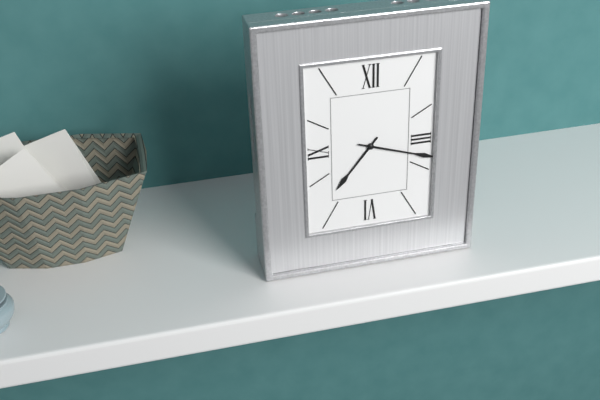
7 h 18 min
